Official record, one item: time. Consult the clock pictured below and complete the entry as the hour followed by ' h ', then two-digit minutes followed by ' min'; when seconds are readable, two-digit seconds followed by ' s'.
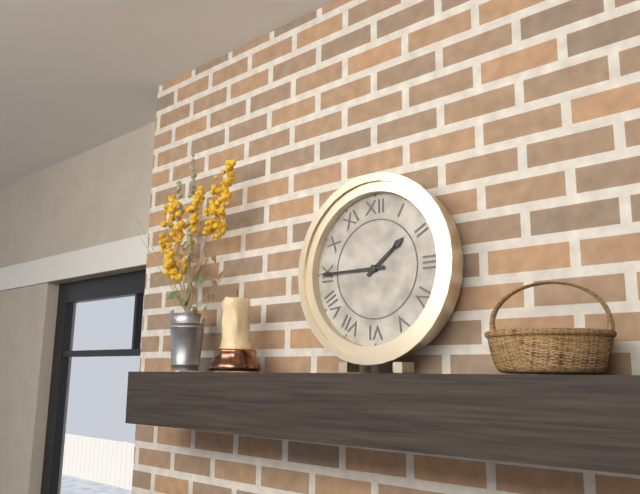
1 h 45 min
